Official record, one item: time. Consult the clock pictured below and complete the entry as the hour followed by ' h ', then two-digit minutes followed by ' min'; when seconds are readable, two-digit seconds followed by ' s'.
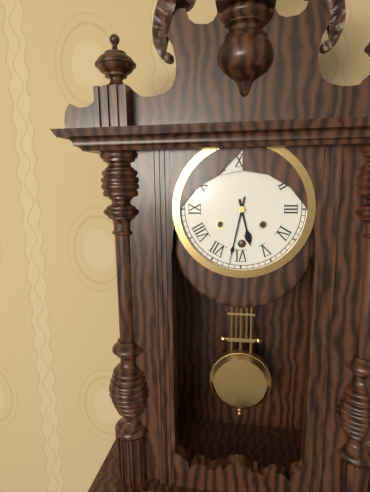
5 h 32 min
